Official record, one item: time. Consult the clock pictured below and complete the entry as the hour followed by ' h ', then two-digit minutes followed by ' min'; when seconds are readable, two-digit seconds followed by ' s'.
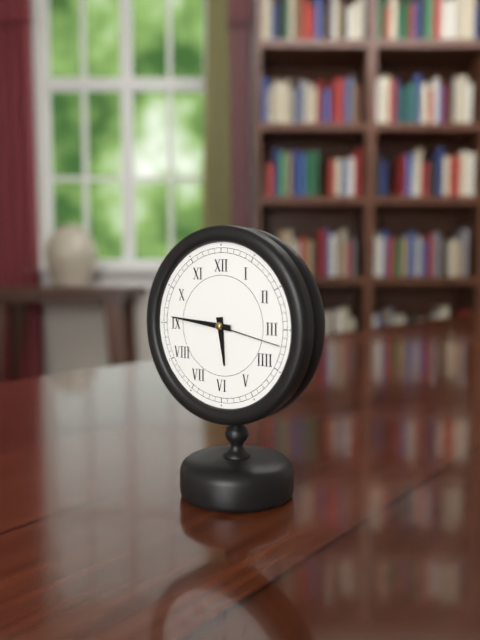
5 h 46 min 17 s
